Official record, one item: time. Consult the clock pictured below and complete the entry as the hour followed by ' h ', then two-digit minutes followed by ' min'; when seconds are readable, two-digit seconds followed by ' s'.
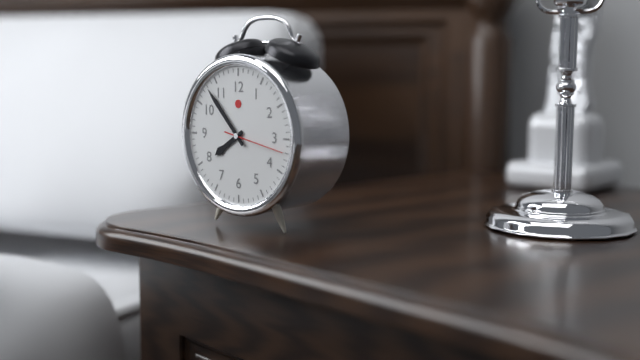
7 h 53 min 17 s
